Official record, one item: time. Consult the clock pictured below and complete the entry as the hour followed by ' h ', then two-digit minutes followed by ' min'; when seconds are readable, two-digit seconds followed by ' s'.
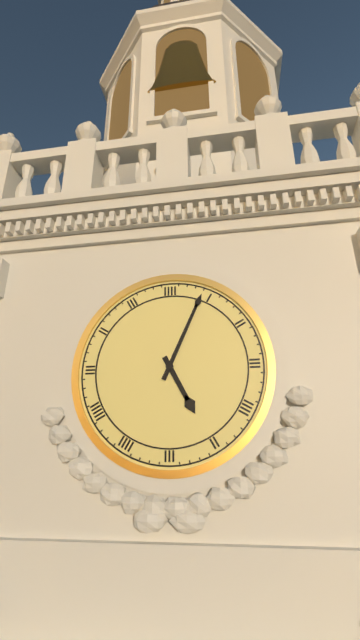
5 h 04 min
